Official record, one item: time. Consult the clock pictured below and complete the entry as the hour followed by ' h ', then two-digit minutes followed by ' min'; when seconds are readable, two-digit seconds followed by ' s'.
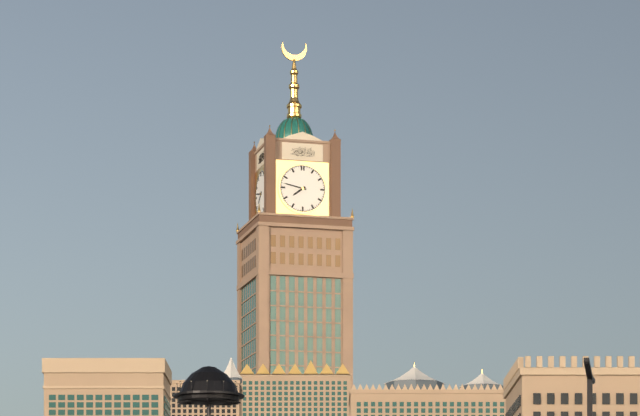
7 h 47 min
